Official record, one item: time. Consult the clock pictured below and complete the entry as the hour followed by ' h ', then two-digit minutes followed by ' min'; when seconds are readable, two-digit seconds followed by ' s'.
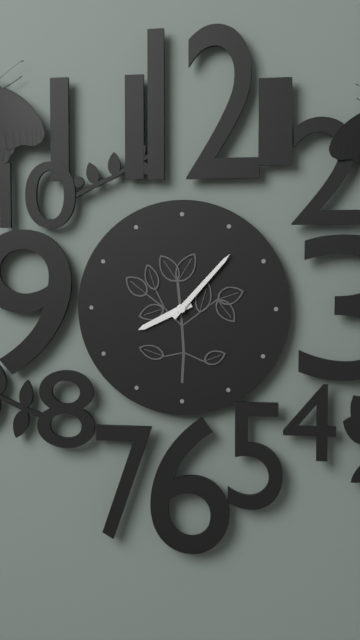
8 h 07 min
